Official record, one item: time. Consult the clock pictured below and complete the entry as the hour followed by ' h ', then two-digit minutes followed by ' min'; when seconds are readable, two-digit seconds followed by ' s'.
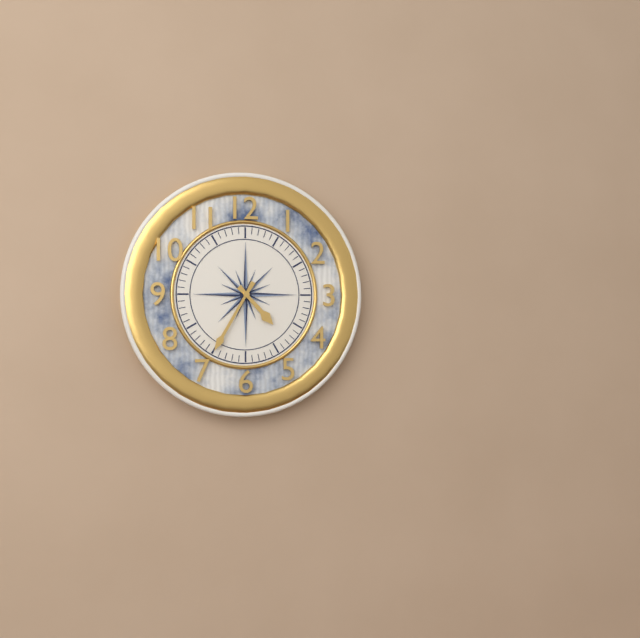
4 h 35 min
